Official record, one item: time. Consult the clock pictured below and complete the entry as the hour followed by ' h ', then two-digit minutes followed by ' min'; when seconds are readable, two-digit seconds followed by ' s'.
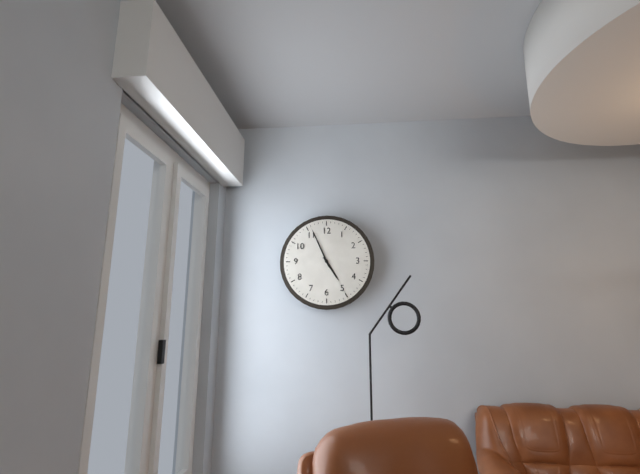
4 h 56 min
